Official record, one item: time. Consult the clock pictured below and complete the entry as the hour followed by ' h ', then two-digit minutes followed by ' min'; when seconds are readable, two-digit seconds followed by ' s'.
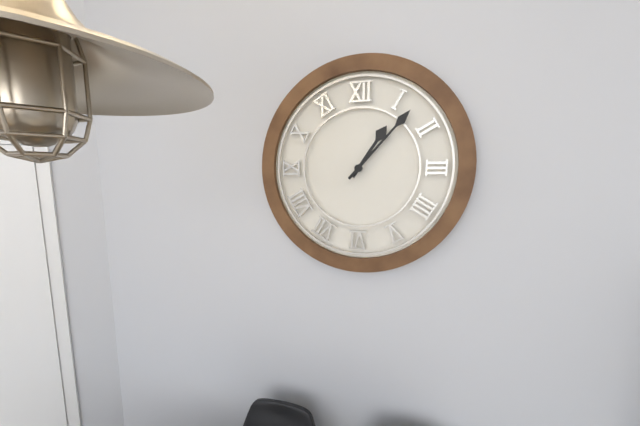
1 h 07 min
